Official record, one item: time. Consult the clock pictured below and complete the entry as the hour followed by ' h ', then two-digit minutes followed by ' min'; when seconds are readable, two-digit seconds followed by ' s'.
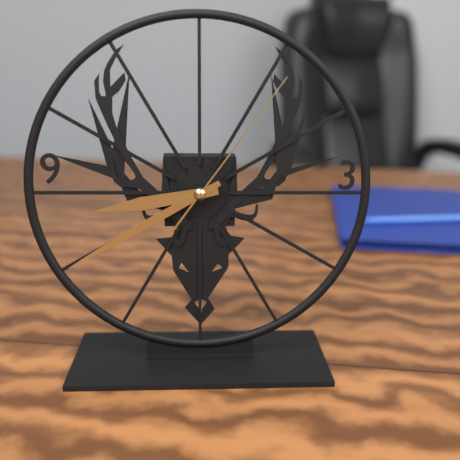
8 h 40 min 06 s
